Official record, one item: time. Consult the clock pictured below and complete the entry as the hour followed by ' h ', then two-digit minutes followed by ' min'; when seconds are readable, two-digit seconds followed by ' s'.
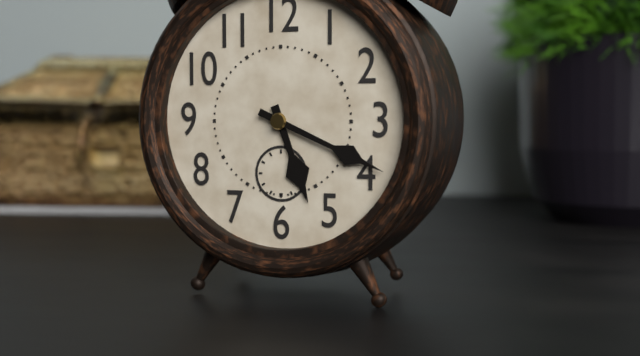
5 h 19 min
